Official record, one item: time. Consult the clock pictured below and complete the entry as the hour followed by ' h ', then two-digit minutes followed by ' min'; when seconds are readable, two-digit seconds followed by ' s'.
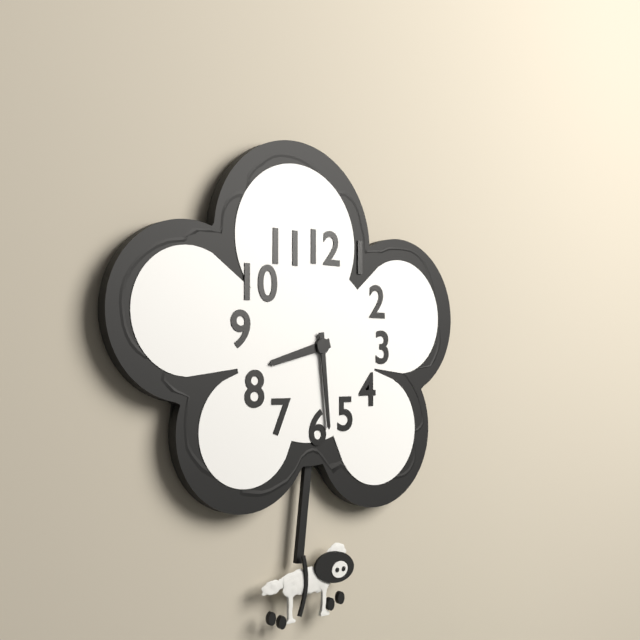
8 h 29 min
